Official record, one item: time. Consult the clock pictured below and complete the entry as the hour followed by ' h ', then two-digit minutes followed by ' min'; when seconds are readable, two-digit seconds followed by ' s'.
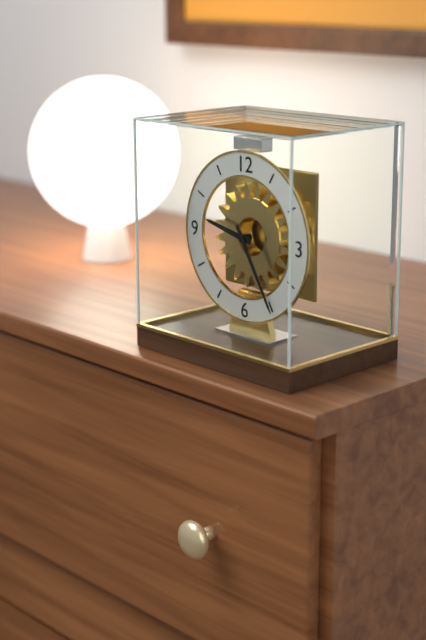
9 h 25 min
